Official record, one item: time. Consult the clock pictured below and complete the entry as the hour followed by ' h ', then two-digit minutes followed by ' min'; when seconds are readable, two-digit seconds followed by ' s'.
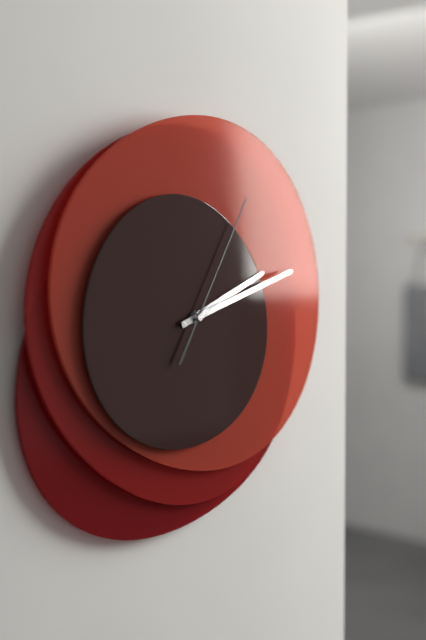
2 h 12 min 05 s
